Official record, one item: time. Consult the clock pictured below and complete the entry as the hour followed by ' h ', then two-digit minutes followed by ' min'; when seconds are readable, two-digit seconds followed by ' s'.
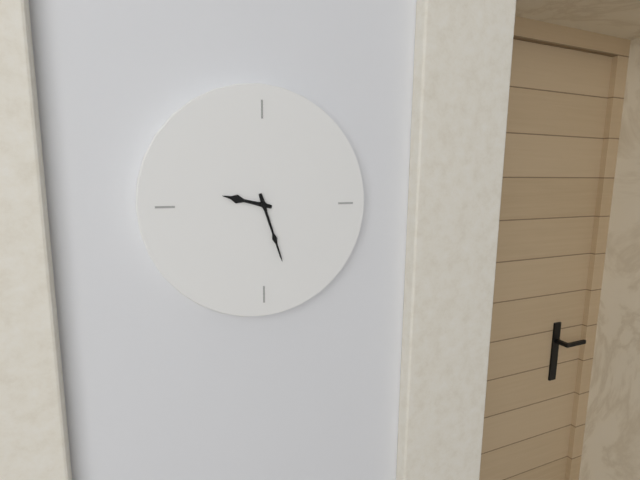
9 h 27 min
